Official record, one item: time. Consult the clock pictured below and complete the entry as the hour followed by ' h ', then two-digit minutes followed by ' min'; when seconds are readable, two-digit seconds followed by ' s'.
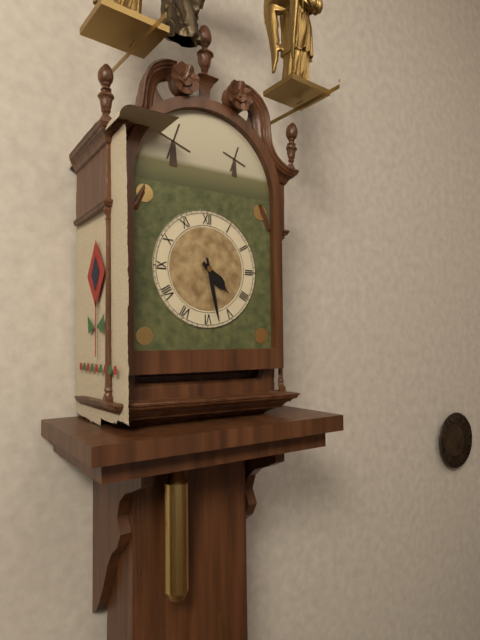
4 h 28 min
